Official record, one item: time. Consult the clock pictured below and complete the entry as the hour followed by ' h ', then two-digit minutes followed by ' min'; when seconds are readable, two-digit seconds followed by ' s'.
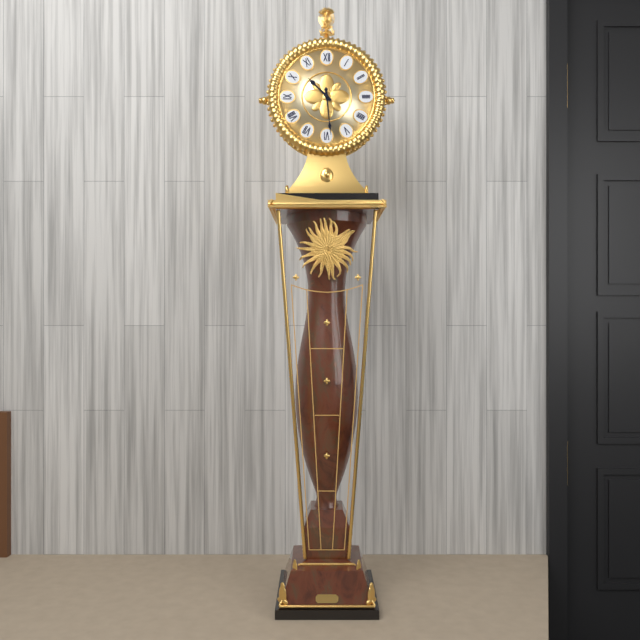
10 h 29 min
